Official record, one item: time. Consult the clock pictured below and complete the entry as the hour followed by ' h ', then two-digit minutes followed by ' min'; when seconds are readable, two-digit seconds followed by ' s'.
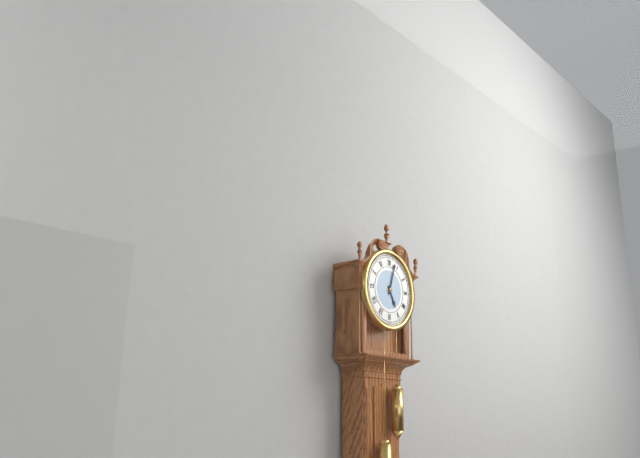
5 h 03 min
